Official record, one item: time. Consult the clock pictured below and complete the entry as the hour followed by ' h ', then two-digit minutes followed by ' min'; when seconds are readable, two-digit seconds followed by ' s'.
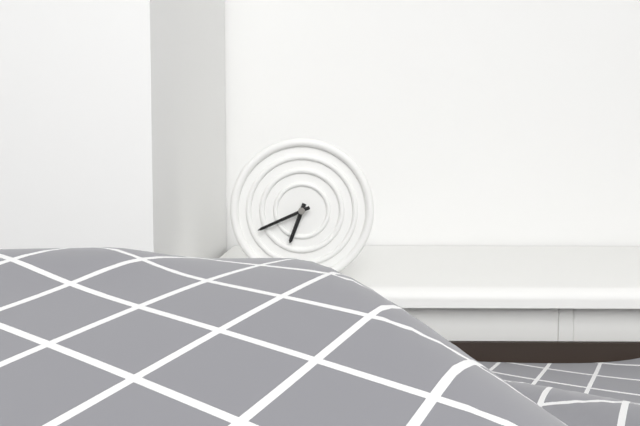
6 h 41 min
